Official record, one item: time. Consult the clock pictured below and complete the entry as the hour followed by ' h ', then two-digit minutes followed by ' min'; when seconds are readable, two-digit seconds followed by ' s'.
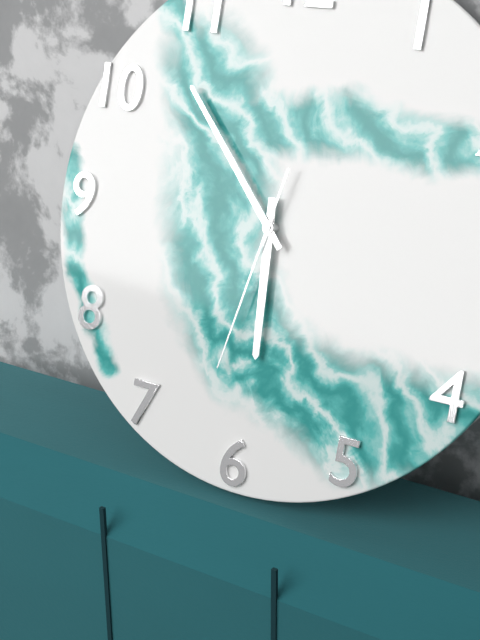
5 h 53 min 32 s
